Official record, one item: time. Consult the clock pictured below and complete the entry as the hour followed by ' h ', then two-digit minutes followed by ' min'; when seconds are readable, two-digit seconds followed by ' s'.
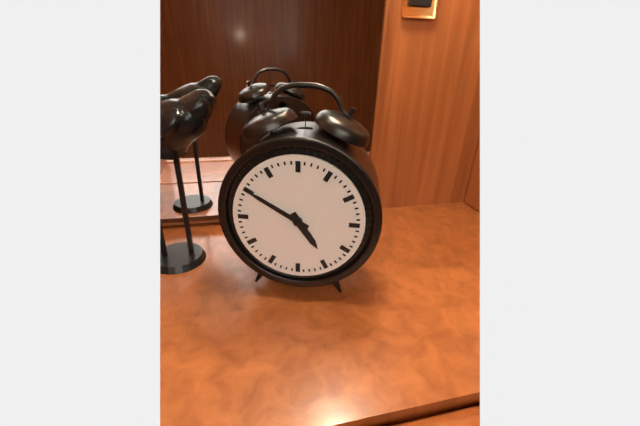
4 h 50 min
